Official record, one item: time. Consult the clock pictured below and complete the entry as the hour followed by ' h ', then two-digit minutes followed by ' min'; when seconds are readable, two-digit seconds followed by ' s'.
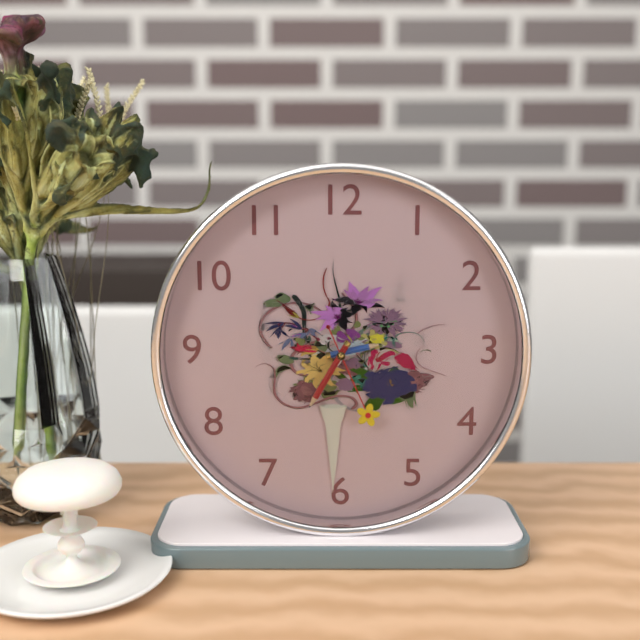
2 h 35 min 26 s
